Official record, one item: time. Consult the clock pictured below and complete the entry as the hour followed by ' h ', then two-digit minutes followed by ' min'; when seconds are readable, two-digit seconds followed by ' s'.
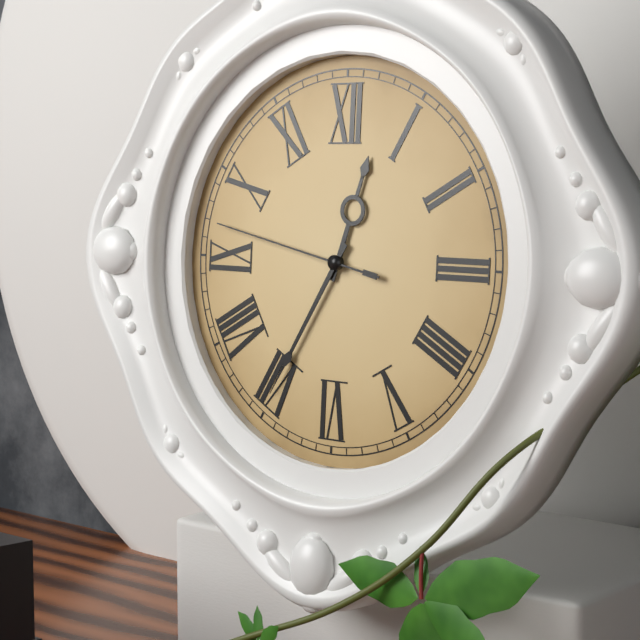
12 h 35 min 47 s
